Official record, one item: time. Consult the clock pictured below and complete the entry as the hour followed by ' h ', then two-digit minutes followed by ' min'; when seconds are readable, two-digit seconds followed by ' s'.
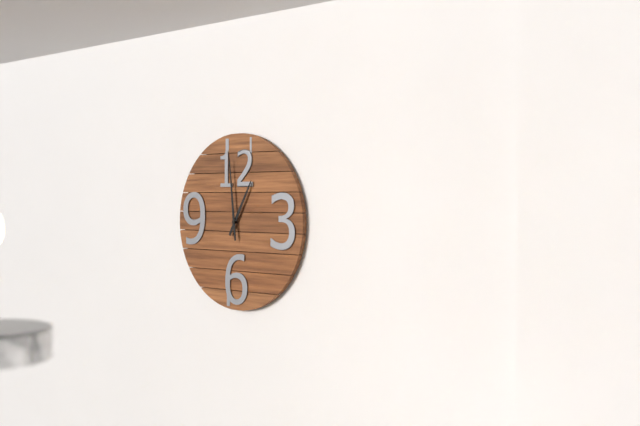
12 h 59 min
